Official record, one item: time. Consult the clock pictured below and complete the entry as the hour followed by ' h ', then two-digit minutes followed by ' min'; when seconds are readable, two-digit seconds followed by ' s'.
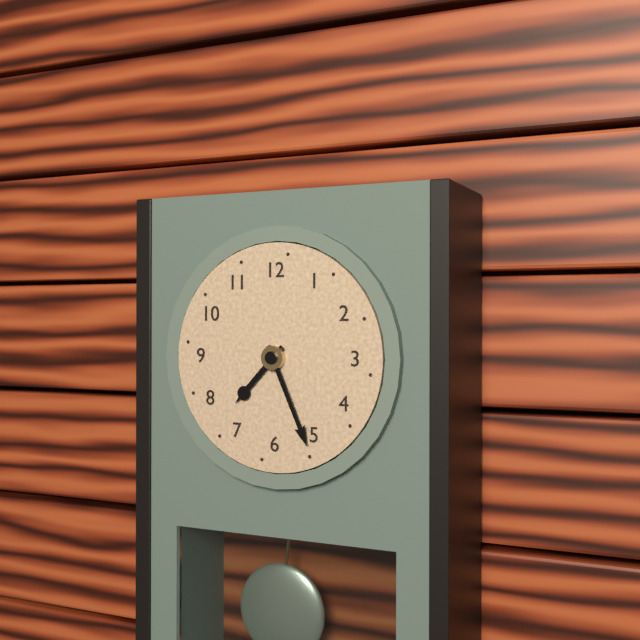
7 h 26 min
